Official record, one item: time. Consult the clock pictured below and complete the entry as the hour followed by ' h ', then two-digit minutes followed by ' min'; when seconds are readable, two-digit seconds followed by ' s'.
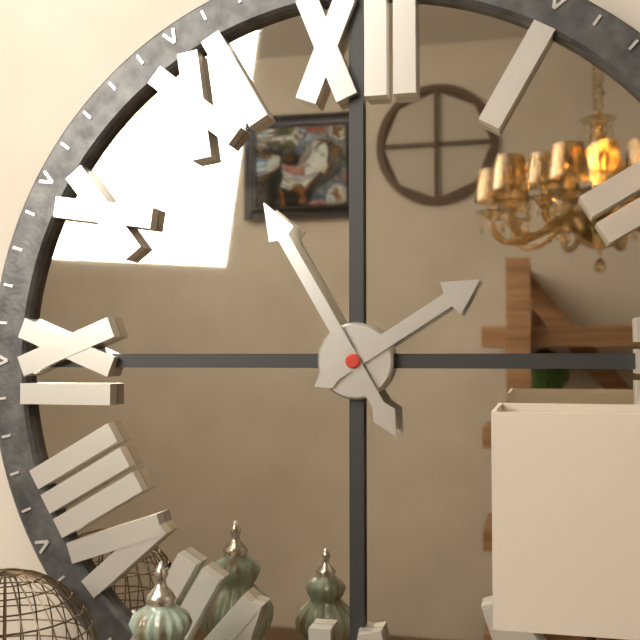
1 h 55 min
